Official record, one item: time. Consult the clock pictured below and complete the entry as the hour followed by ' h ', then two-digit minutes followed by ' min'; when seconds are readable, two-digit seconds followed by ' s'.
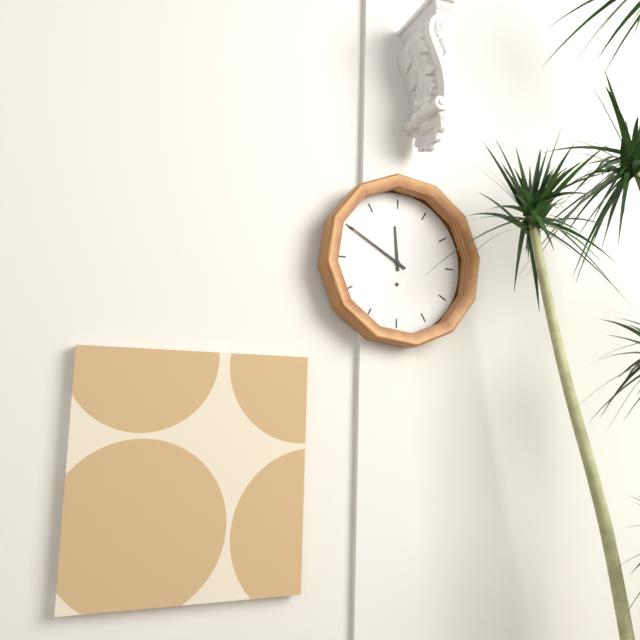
11 h 50 min
